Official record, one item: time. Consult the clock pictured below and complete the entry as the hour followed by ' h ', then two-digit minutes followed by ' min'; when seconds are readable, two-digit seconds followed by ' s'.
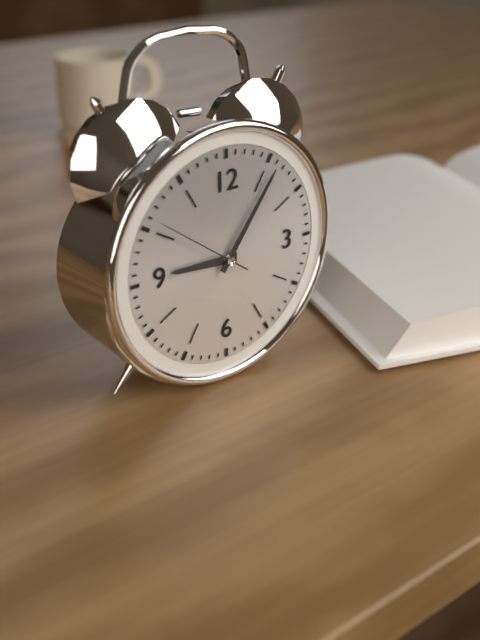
9 h 06 min 51 s
